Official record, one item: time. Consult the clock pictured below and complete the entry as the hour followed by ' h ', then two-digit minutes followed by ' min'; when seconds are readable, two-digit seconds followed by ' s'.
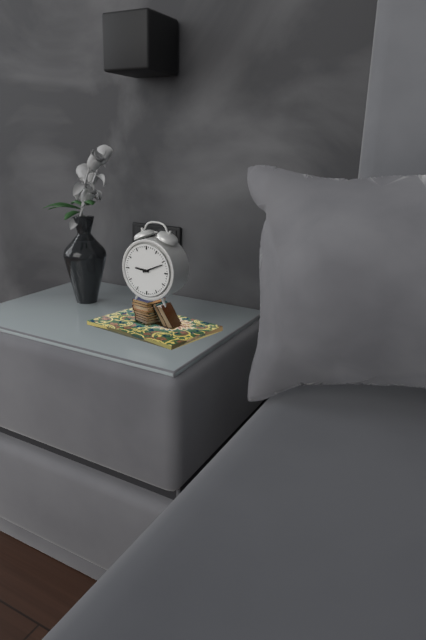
9 h 11 min
